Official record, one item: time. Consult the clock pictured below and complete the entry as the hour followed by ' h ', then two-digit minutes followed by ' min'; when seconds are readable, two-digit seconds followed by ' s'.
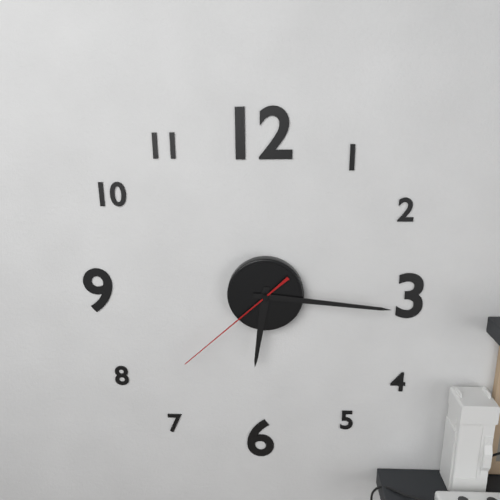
6 h 16 min 38 s
